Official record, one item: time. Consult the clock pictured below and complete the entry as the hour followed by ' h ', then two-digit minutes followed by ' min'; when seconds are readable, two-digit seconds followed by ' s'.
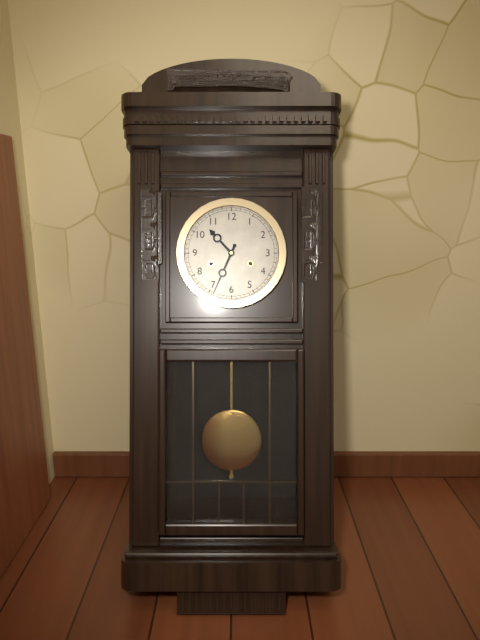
10 h 34 min
